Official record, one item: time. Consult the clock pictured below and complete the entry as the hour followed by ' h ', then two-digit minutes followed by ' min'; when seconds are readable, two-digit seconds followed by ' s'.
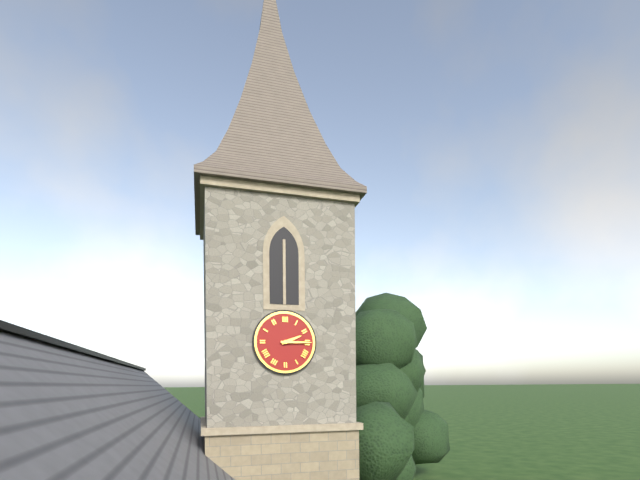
2 h 15 min
